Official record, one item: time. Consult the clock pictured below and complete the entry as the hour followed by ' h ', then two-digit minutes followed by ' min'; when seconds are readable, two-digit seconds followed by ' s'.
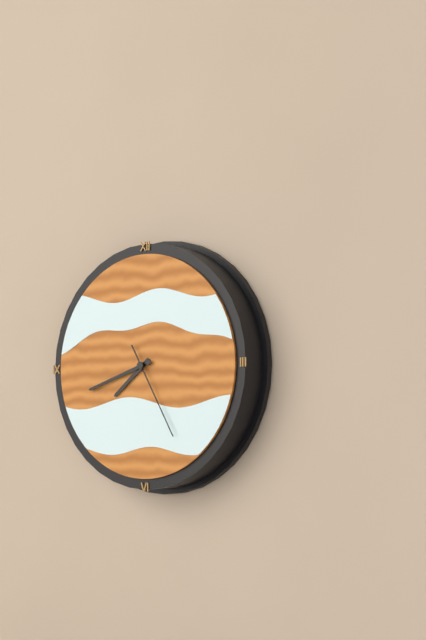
7 h 42 min 25 s
